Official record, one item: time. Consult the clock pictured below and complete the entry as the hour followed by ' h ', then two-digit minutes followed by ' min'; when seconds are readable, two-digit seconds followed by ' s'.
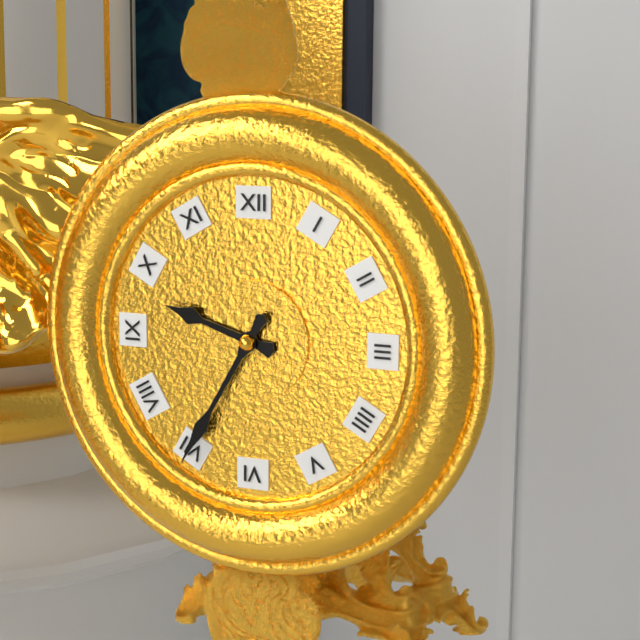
9 h 35 min
